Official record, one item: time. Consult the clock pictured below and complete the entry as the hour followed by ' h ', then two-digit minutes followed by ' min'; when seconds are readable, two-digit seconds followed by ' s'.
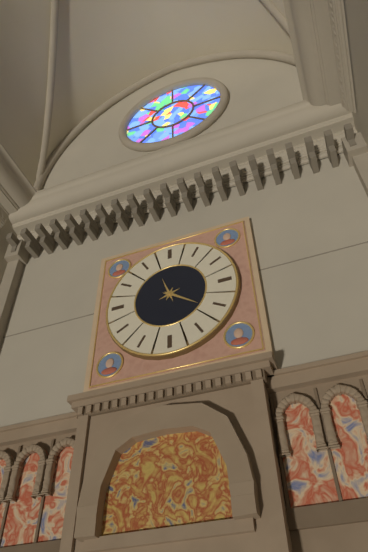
11 h 21 min
